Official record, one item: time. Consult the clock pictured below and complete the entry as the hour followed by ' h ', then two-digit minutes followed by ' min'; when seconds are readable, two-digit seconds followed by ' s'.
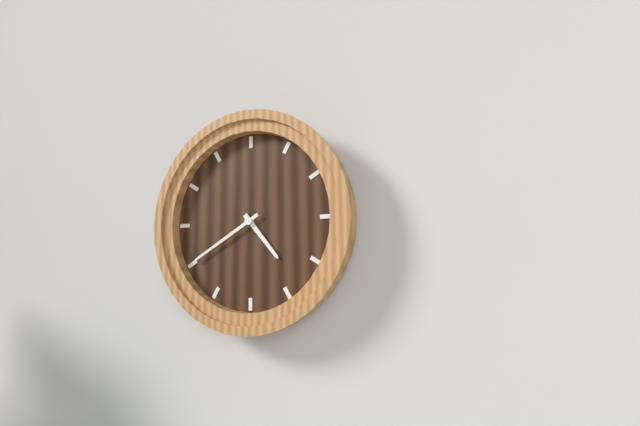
4 h 40 min
